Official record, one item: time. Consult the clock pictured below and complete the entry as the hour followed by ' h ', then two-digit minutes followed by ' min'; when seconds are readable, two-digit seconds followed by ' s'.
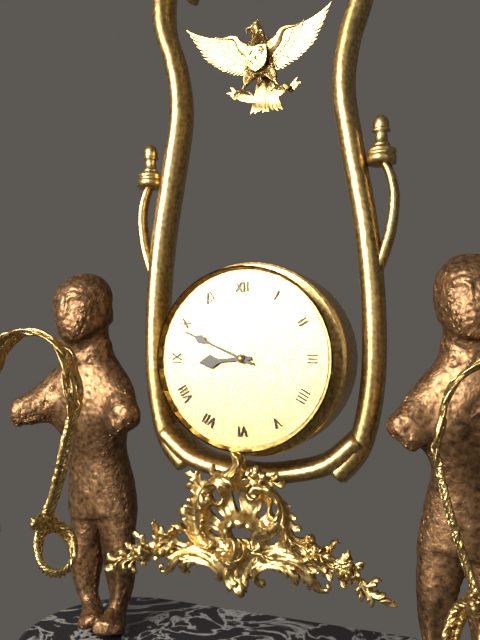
8 h 49 min
